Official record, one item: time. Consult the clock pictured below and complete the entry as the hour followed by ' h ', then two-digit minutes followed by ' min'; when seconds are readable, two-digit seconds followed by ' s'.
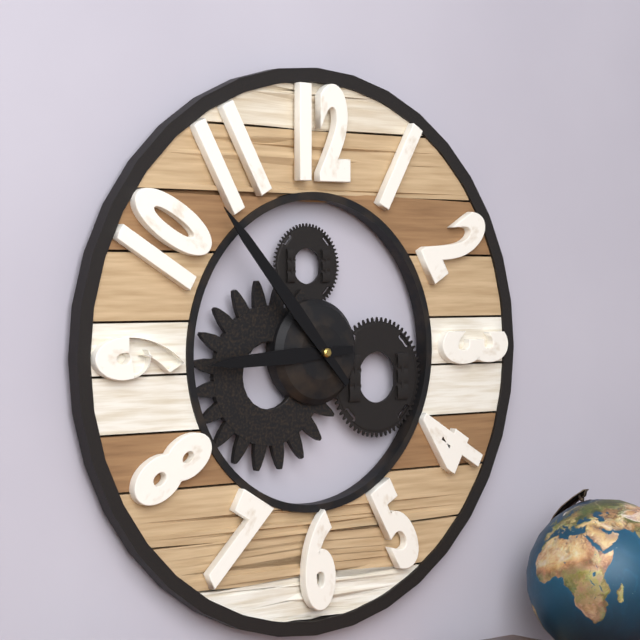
8 h 53 min
